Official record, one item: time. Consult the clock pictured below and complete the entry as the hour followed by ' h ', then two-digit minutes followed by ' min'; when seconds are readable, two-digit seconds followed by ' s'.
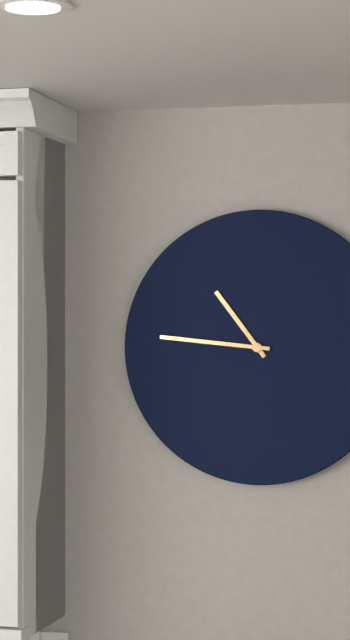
10 h 46 min
